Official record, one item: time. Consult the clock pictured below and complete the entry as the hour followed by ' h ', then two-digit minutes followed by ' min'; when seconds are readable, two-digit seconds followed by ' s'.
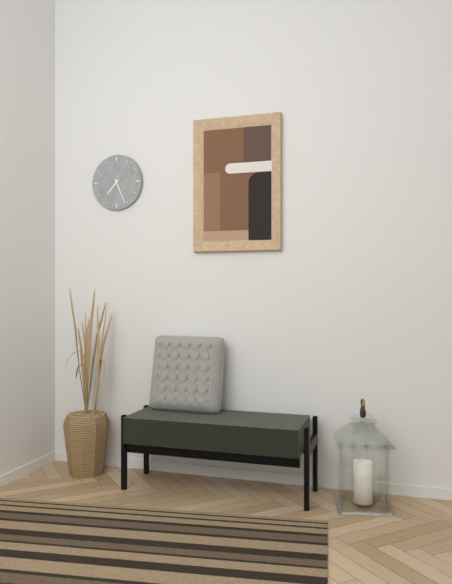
7 h 26 min
